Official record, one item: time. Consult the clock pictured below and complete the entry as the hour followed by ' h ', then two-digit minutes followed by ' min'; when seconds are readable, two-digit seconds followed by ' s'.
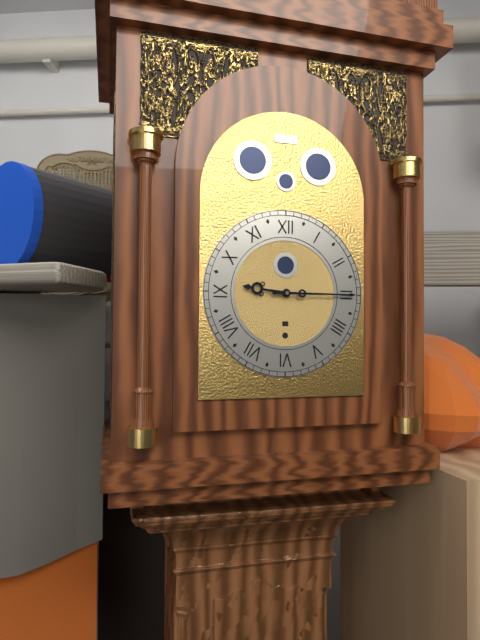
9 h 15 min
